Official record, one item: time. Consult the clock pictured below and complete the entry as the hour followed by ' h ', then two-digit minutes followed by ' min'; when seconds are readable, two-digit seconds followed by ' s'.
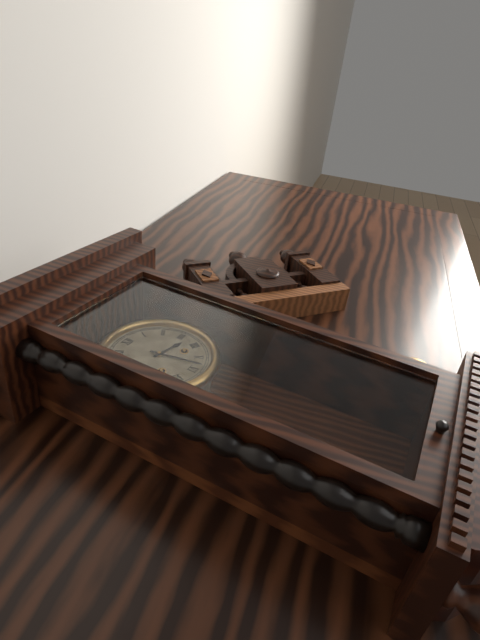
3 h 28 min
